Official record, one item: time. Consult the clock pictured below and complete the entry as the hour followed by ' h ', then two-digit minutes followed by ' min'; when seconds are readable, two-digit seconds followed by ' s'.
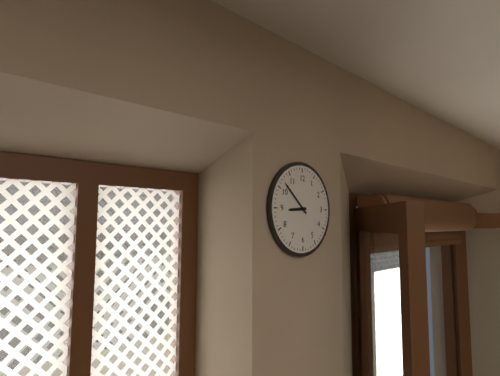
8 h 52 min
